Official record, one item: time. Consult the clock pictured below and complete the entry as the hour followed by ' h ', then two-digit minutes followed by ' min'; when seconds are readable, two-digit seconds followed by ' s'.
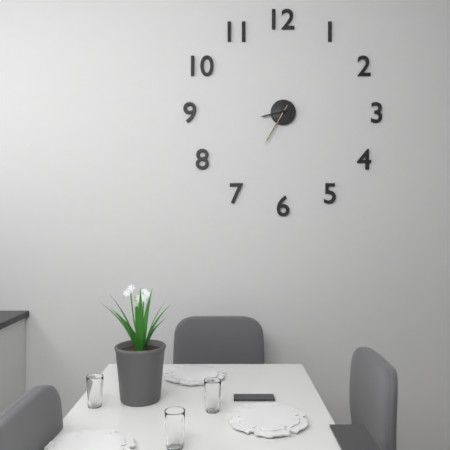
8 h 35 min
